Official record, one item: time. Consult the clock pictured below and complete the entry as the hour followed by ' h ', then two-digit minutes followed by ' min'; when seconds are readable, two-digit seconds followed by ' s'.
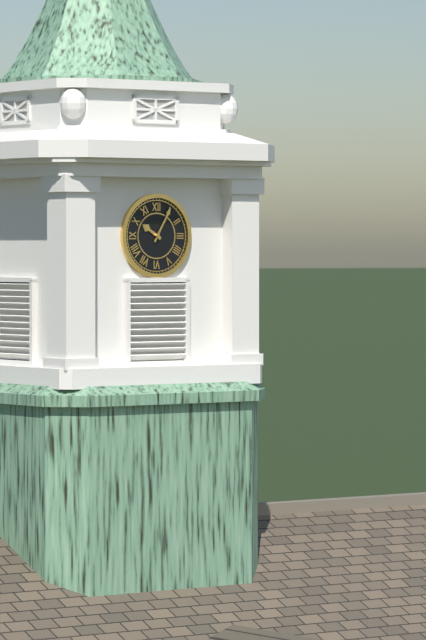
10 h 05 min
